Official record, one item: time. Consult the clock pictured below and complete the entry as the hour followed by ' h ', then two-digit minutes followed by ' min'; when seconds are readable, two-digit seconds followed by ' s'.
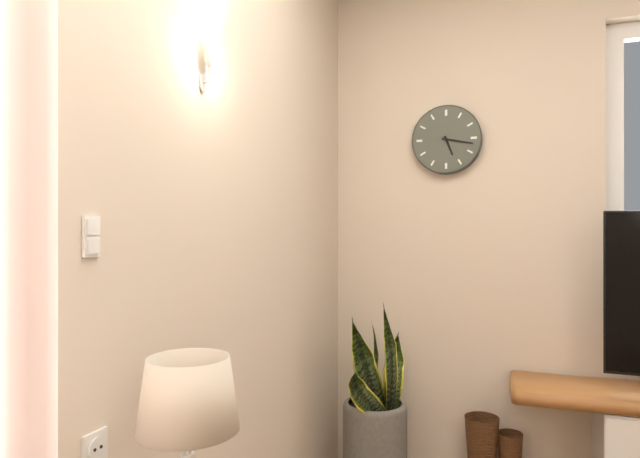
5 h 17 min
